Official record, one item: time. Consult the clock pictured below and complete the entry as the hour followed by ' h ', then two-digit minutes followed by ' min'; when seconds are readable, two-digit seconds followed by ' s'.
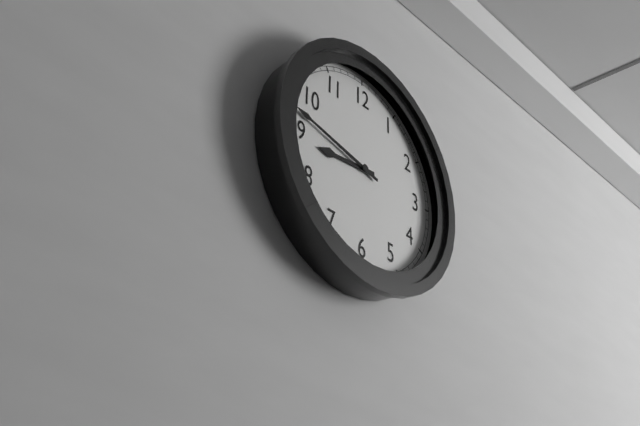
8 h 47 min
